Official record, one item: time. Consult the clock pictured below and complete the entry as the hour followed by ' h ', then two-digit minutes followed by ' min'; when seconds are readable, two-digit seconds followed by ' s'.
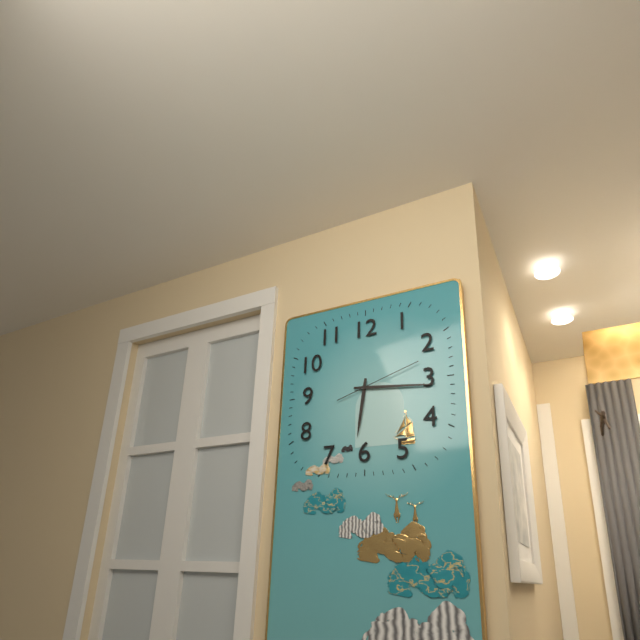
6 h 16 min 12 s
